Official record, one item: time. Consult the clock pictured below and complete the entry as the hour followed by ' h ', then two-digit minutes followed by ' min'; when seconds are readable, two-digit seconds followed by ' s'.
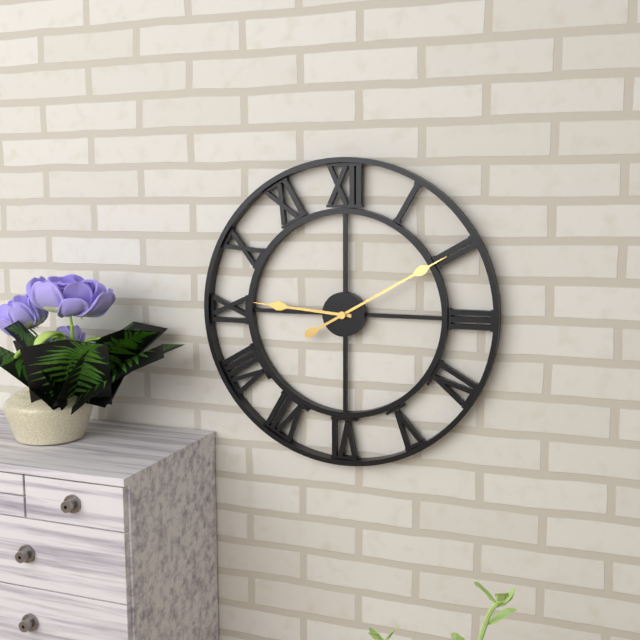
9 h 10 min
